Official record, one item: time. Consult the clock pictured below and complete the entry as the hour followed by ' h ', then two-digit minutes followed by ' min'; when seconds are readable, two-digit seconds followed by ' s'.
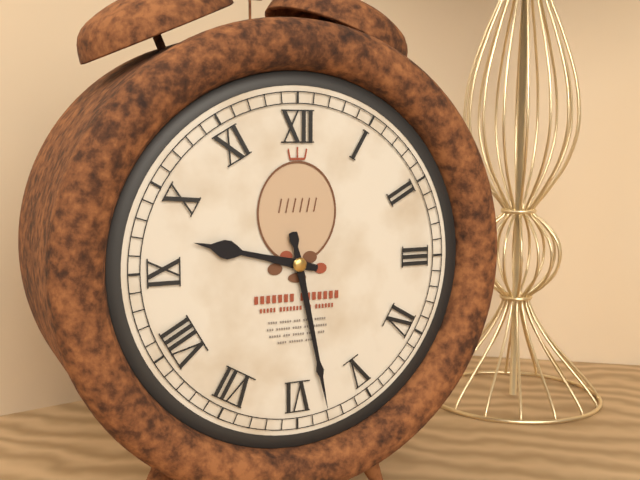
9 h 28 min
